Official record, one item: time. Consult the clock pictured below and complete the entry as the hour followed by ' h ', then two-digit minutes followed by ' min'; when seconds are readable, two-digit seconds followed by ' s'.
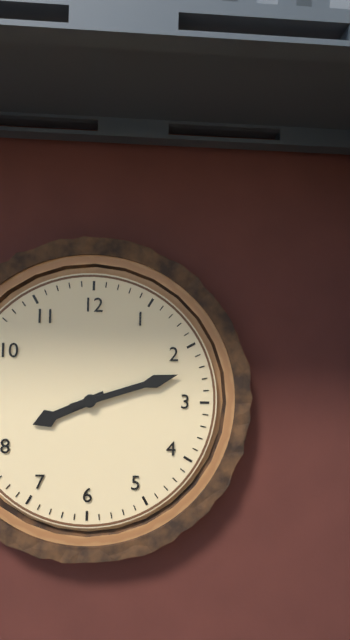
8 h 12 min
